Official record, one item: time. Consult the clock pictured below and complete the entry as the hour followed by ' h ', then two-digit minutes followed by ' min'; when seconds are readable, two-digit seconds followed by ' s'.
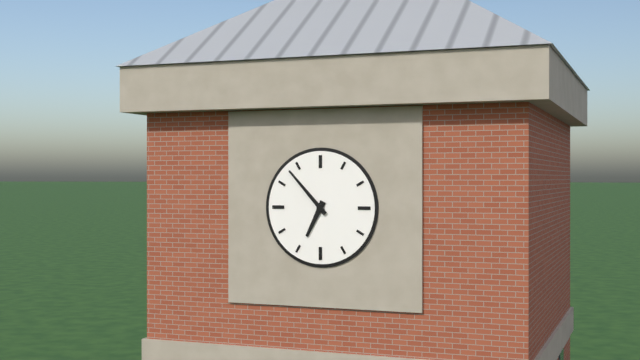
6 h 53 min
